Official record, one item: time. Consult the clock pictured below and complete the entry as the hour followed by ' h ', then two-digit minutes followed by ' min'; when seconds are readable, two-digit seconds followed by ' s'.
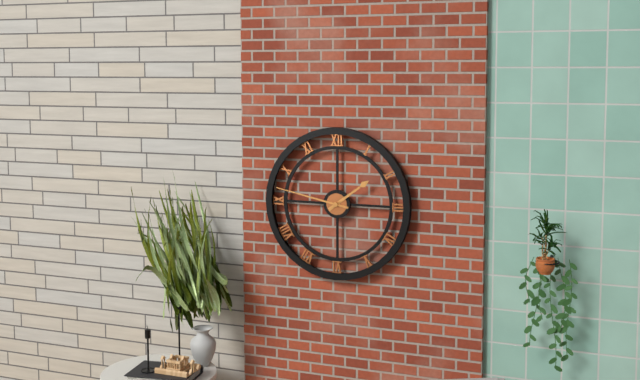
1 h 47 min
